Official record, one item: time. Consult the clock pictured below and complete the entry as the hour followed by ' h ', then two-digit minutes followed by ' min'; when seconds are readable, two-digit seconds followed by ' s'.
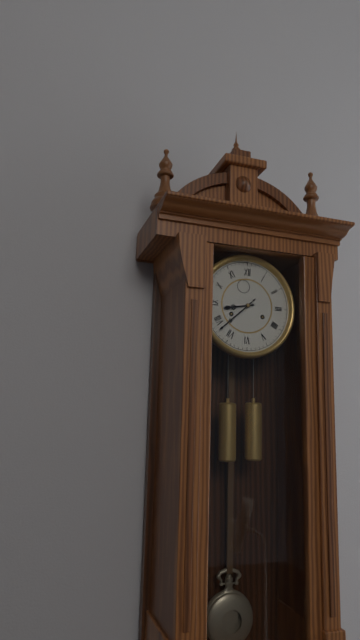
8 h 38 min
